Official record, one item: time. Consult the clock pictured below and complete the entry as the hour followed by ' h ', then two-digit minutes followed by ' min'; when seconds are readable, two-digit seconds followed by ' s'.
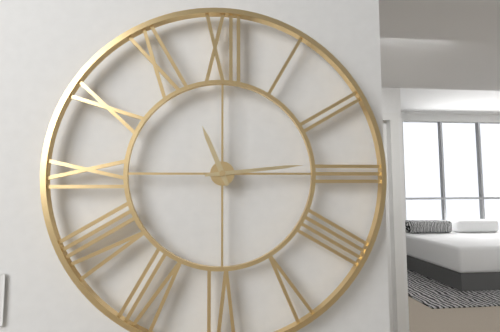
11 h 14 min
